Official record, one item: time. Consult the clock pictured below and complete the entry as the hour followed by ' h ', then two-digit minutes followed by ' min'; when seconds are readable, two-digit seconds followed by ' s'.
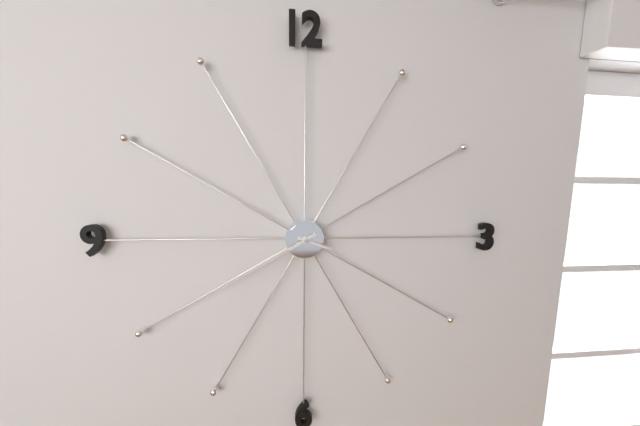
3 h 40 min
